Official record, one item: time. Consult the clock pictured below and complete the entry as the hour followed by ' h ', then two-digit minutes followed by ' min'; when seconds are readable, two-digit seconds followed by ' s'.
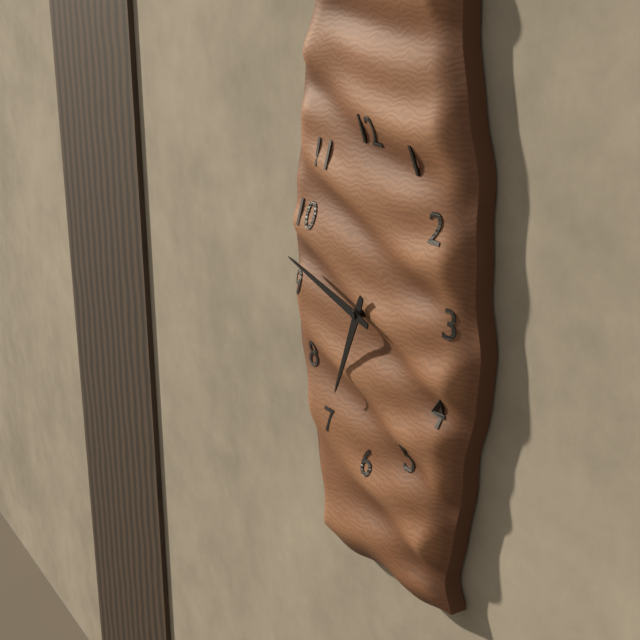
6 h 47 min
